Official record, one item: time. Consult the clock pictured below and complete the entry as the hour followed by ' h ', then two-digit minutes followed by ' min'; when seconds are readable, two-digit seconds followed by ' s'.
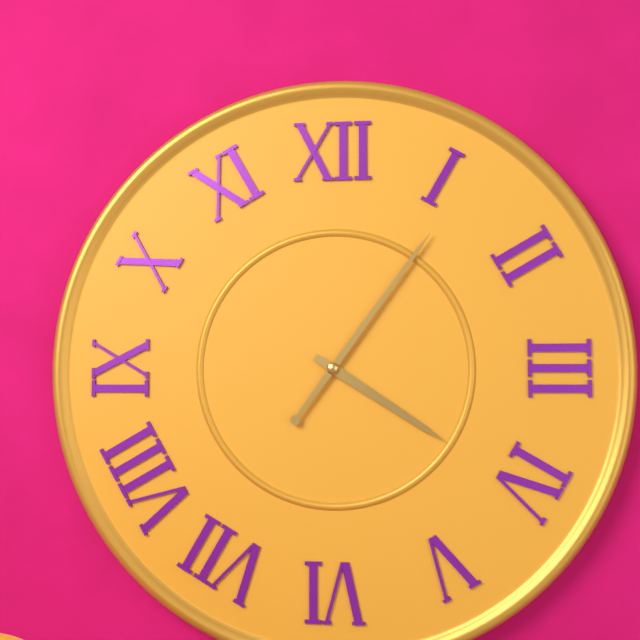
4 h 06 min
